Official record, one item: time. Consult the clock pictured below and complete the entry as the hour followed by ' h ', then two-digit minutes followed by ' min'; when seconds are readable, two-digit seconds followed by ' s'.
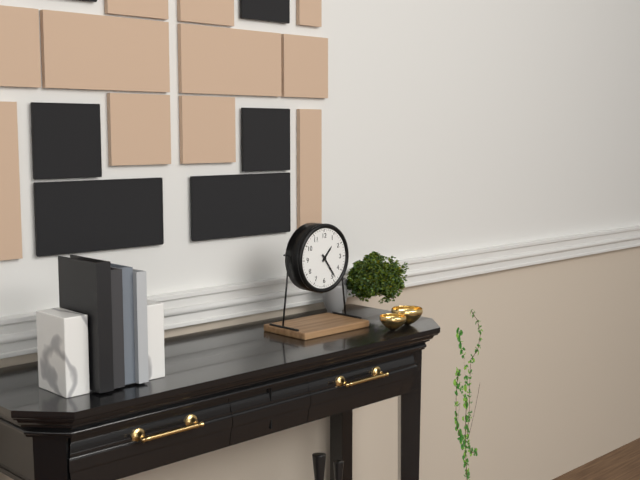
1 h 24 min
